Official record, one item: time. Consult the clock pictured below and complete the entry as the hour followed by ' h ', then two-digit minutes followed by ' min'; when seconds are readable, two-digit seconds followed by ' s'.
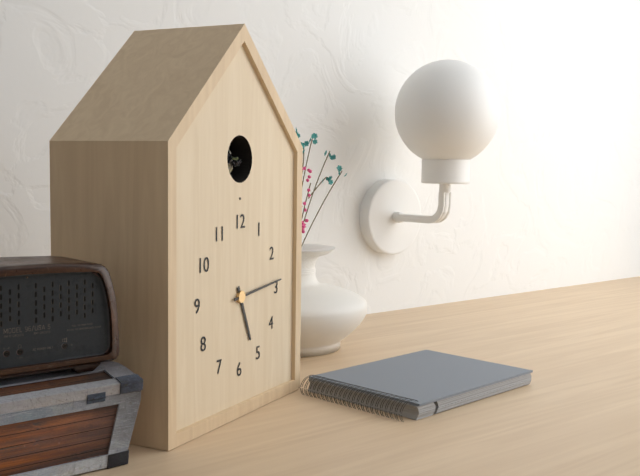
5 h 14 min
